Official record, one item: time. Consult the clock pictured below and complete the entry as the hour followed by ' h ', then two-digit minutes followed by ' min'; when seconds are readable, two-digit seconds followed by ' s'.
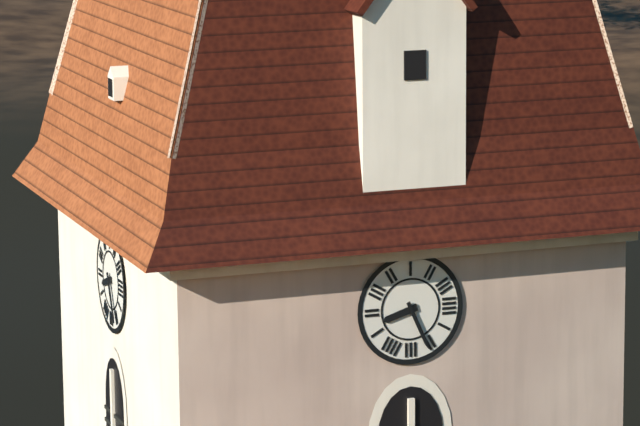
8 h 26 min
